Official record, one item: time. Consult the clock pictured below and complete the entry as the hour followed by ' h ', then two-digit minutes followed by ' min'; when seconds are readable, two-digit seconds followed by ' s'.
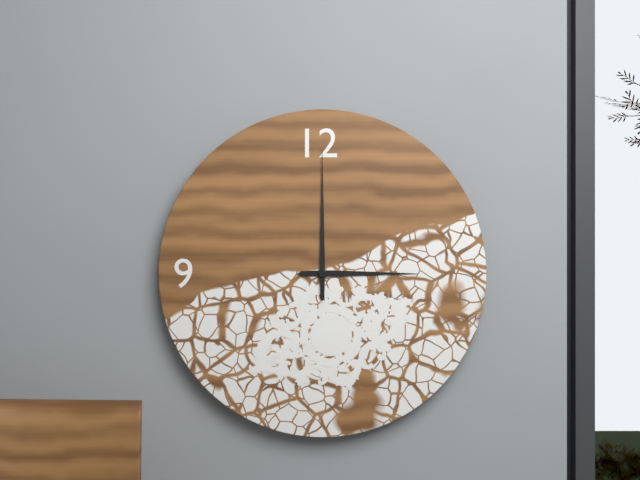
3 h 00 min
